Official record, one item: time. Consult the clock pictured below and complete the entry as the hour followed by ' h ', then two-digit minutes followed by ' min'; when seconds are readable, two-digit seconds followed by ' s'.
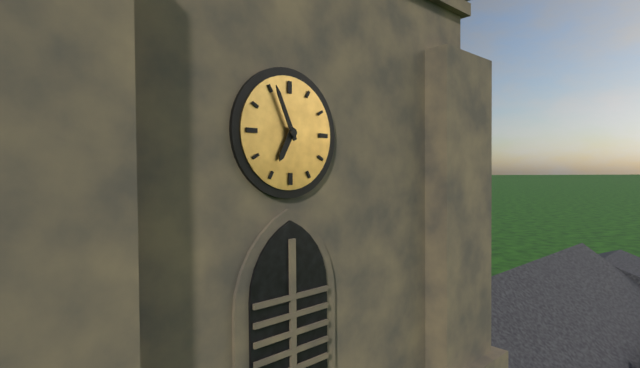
6 h 56 min
